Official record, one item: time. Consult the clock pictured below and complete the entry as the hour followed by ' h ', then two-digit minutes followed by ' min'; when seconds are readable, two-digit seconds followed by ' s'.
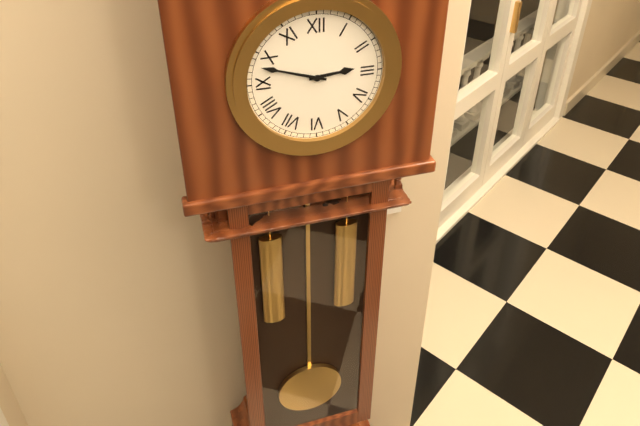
2 h 48 min
